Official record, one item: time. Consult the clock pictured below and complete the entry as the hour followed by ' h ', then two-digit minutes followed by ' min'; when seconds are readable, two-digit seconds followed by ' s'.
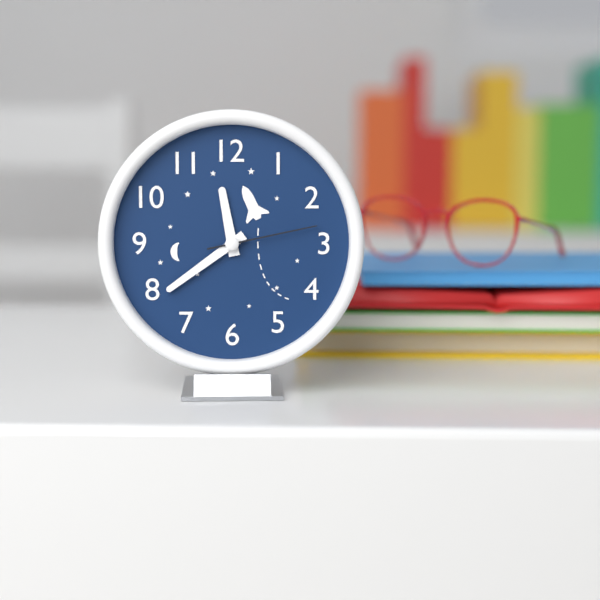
11 h 39 min 13 s
